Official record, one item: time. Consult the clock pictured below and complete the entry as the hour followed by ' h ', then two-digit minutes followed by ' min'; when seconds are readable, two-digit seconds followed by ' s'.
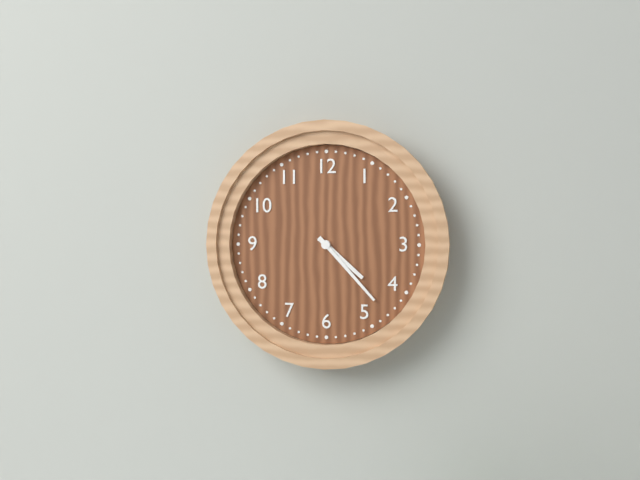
4 h 23 min
